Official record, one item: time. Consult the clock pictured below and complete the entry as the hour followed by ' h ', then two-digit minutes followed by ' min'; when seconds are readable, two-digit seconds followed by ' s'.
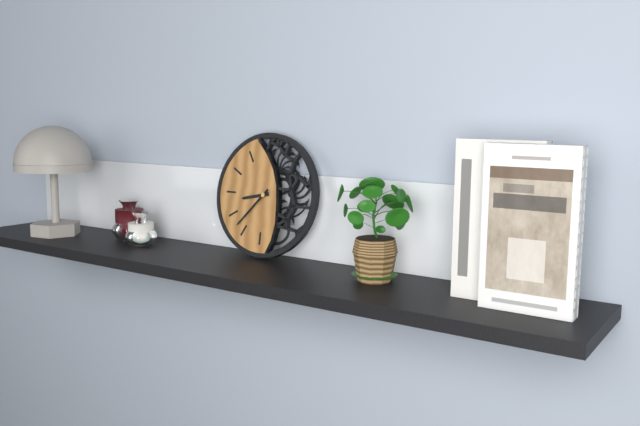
8 h 37 min
